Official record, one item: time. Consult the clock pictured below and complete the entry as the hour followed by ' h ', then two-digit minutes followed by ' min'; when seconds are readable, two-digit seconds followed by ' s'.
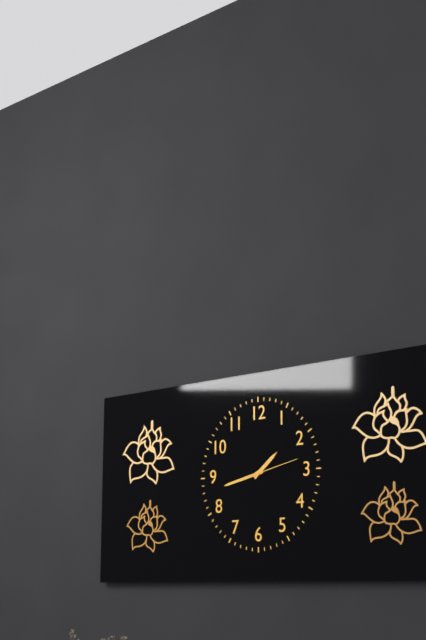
1 h 43 min 13 s
